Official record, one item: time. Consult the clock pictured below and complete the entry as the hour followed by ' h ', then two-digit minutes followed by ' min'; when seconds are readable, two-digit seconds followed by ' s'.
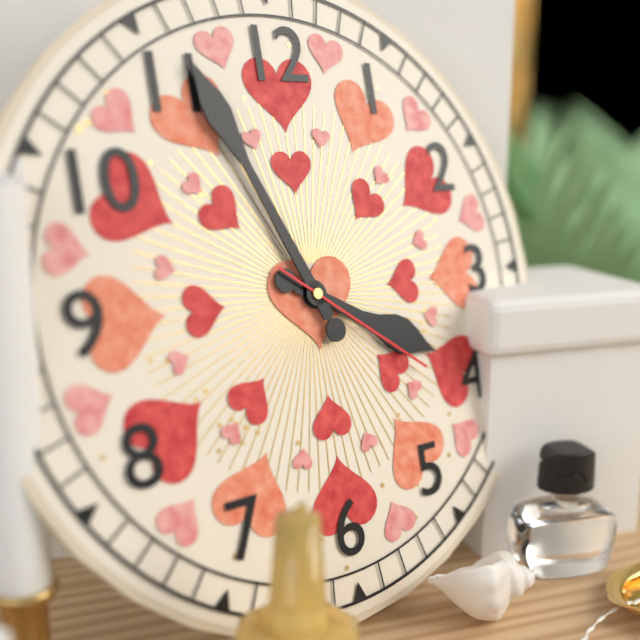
3 h 56 min 21 s
